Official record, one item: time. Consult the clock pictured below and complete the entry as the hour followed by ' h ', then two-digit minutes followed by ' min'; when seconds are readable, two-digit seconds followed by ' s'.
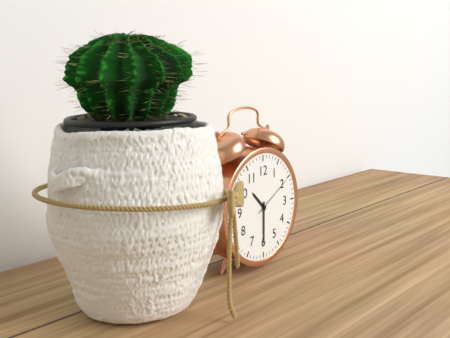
10 h 30 min
